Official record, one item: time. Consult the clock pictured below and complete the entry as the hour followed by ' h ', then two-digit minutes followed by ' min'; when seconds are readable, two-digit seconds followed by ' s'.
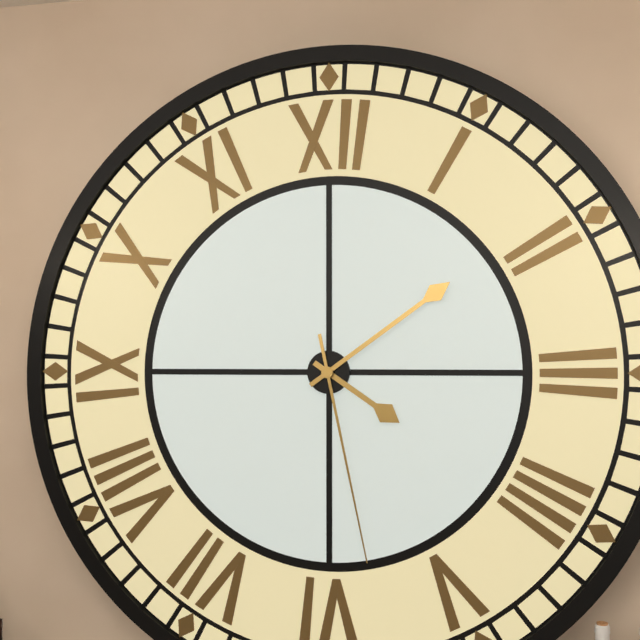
4 h 09 min 28 s
